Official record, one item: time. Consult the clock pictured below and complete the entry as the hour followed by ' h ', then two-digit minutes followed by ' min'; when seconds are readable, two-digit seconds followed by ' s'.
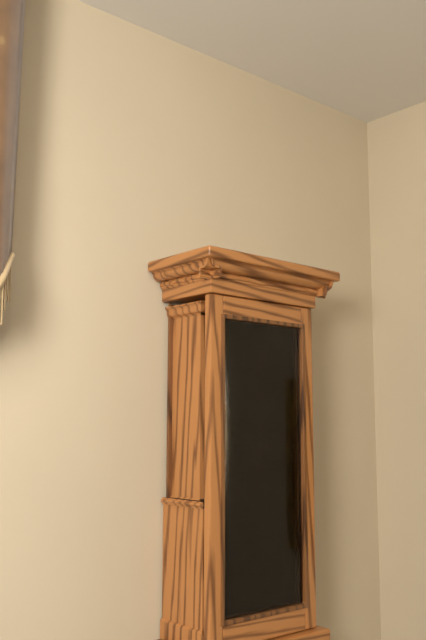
1 h 15 min
